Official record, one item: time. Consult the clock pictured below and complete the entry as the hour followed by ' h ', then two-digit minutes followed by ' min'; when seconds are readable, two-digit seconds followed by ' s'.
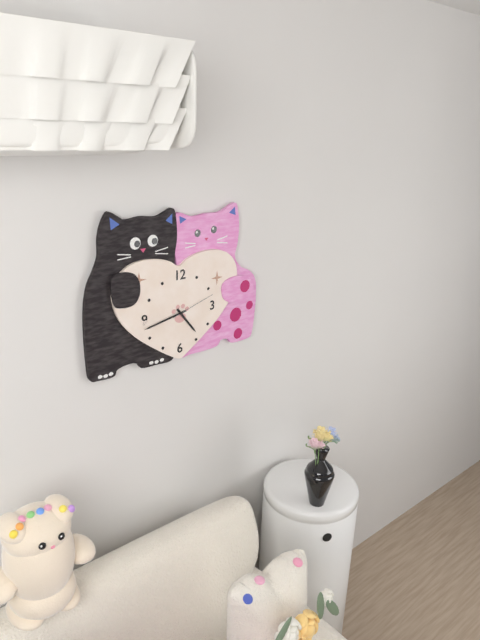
4 h 43 min 12 s
